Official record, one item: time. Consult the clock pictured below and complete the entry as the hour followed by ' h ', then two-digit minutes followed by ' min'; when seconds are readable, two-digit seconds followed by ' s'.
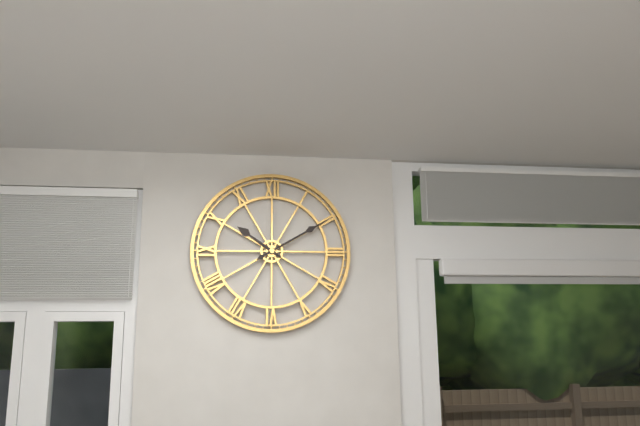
10 h 10 min
